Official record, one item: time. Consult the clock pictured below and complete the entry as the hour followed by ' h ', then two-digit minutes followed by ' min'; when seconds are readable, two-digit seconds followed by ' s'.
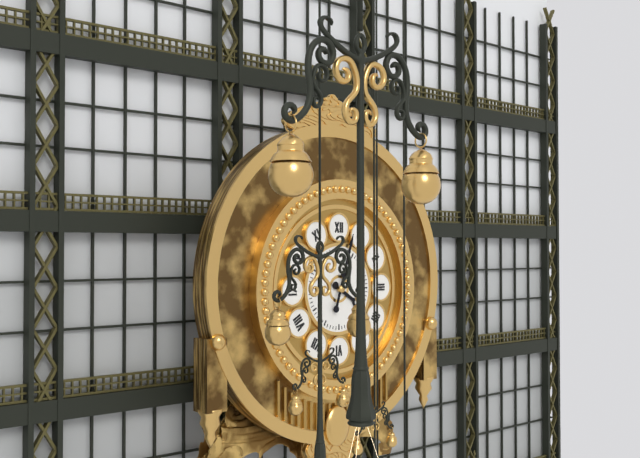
4 h 03 min
